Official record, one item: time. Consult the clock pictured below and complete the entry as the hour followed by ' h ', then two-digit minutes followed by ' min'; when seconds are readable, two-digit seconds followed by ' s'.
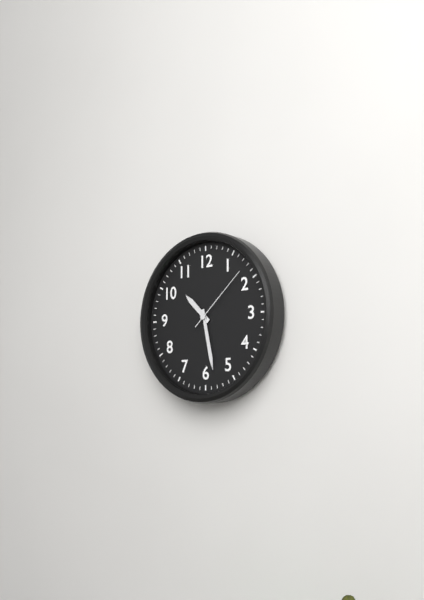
10 h 28 min 08 s
